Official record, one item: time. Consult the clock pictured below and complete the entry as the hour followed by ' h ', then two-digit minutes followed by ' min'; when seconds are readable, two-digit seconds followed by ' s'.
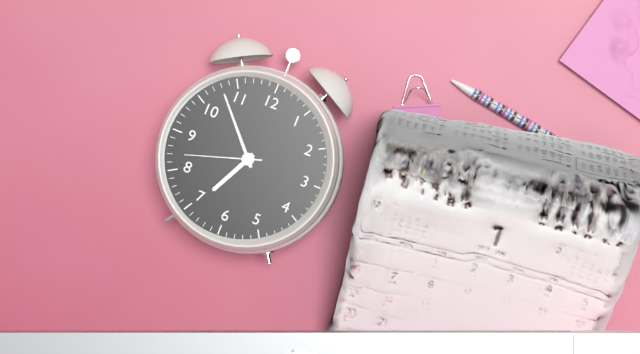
6 h 53 min 42 s
